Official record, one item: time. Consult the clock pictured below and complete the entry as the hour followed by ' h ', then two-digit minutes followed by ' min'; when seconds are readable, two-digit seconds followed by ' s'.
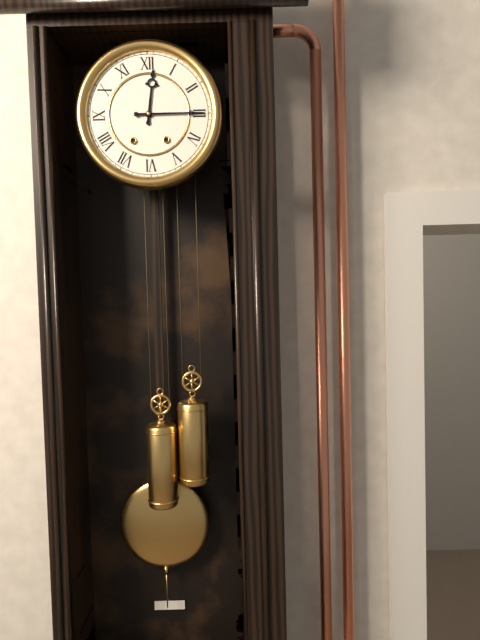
12 h 15 min
